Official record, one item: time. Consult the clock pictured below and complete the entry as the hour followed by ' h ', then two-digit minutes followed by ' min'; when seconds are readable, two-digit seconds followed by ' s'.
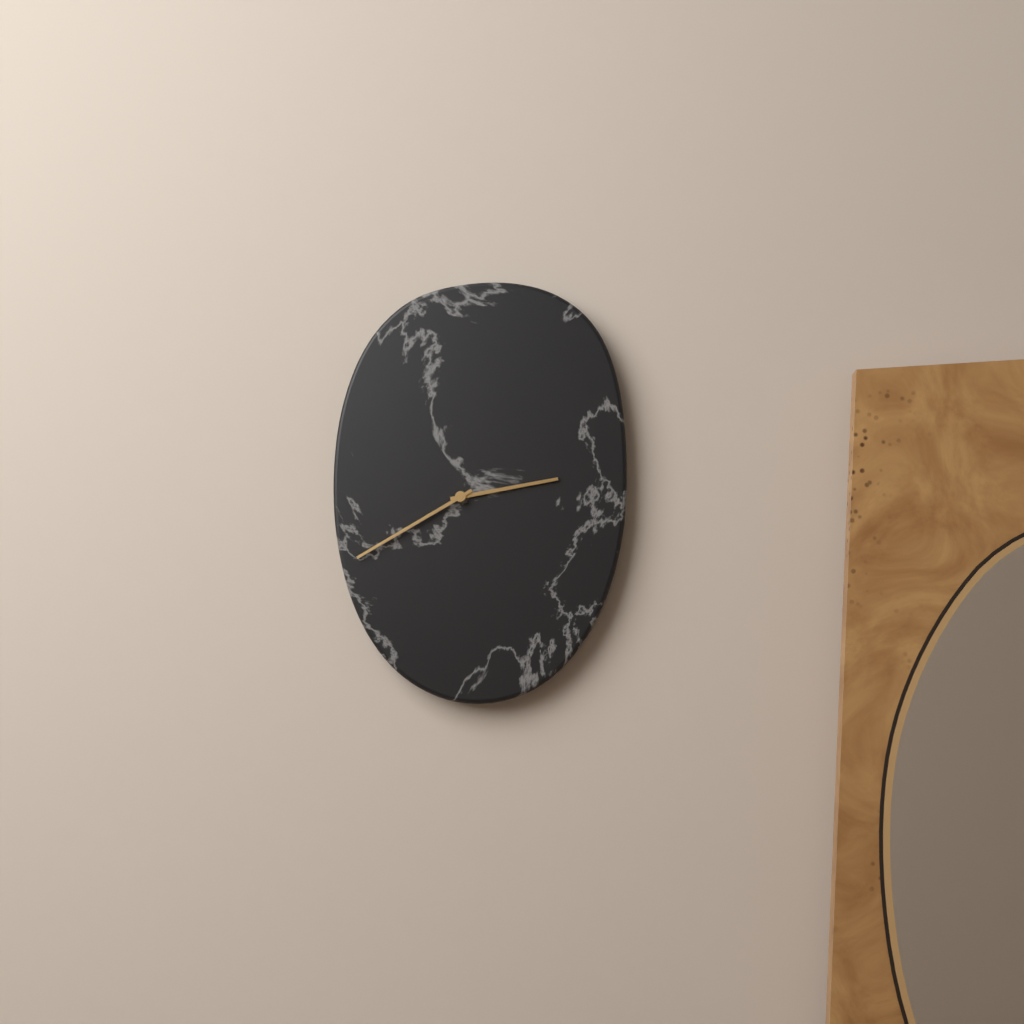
2 h 40 min
